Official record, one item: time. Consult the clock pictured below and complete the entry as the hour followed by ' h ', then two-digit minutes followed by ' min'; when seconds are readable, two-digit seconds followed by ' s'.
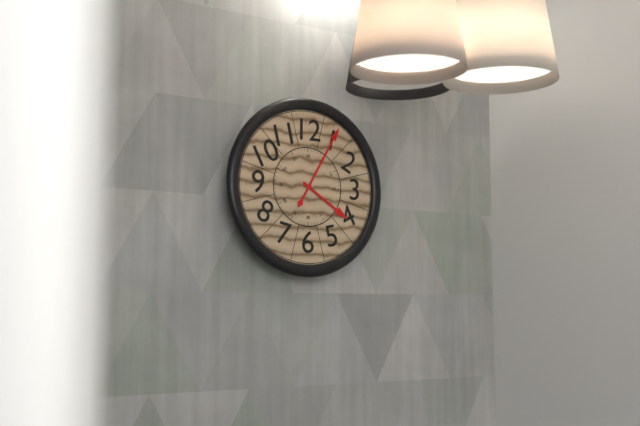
4 h 05 min
